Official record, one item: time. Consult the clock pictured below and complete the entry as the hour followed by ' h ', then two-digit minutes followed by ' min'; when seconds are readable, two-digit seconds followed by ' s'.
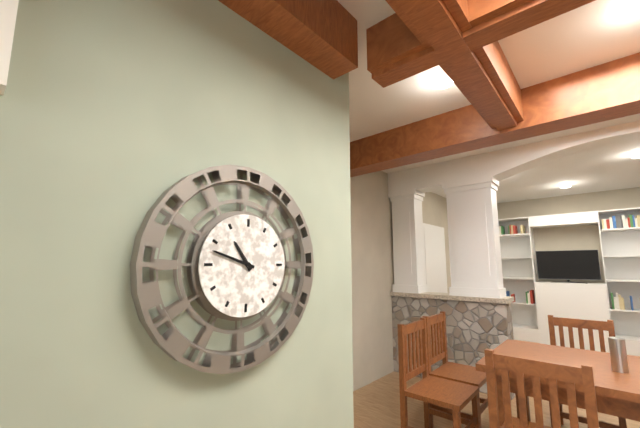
10 h 48 min
